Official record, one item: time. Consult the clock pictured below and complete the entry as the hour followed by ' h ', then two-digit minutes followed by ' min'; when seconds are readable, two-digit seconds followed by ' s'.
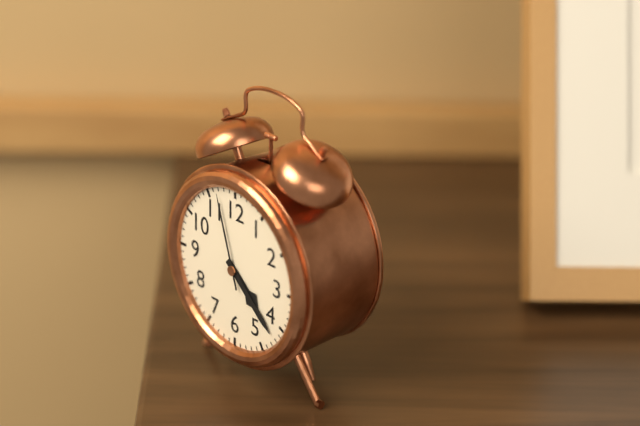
4 h 22 min 57 s
